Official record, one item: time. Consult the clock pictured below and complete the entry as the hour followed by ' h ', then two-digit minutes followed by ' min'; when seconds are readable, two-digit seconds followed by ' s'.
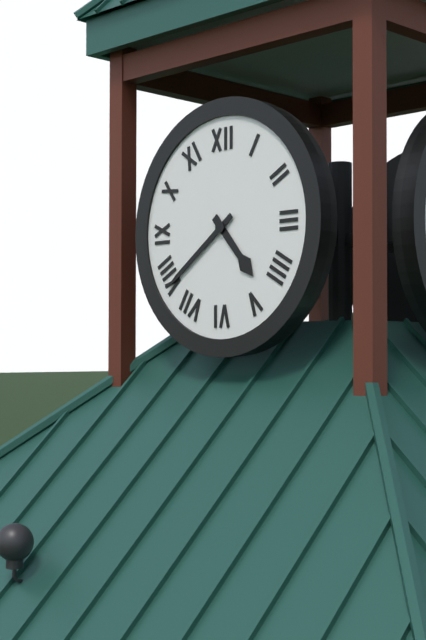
4 h 39 min
